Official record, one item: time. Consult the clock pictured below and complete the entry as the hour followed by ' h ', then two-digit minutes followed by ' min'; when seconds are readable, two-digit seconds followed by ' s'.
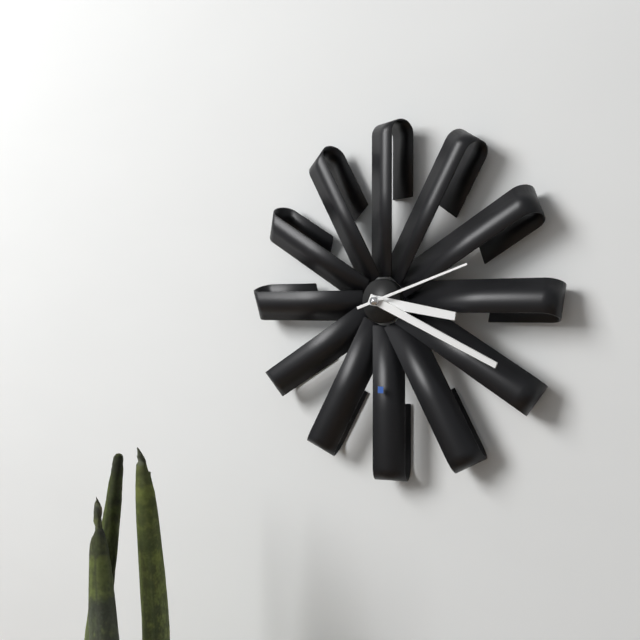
3 h 19 min 12 s
